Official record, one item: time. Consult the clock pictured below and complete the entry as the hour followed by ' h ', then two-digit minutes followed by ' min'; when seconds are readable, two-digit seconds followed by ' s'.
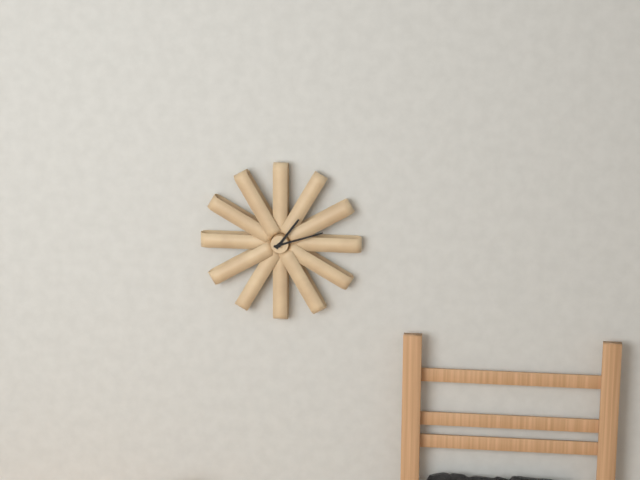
1 h 12 min
